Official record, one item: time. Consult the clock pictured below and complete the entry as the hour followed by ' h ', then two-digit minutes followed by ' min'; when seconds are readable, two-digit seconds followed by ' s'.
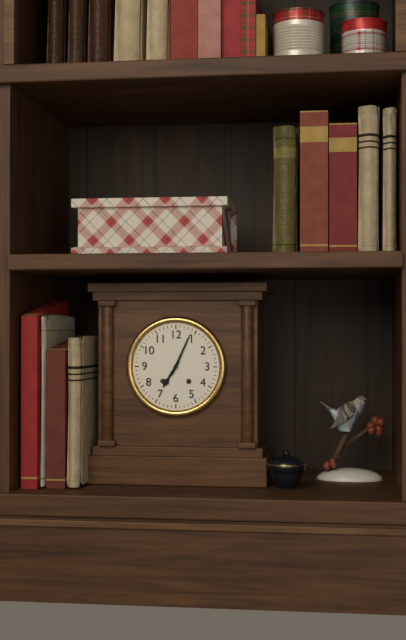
7 h 04 min
